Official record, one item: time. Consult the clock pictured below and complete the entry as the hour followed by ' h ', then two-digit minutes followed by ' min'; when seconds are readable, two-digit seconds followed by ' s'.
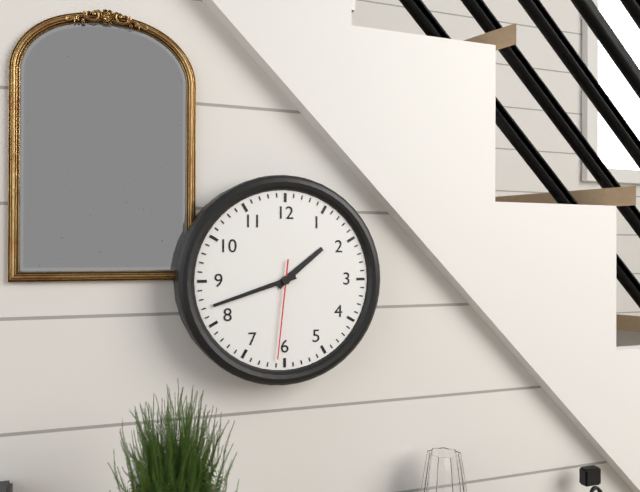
1 h 42 min 31 s
